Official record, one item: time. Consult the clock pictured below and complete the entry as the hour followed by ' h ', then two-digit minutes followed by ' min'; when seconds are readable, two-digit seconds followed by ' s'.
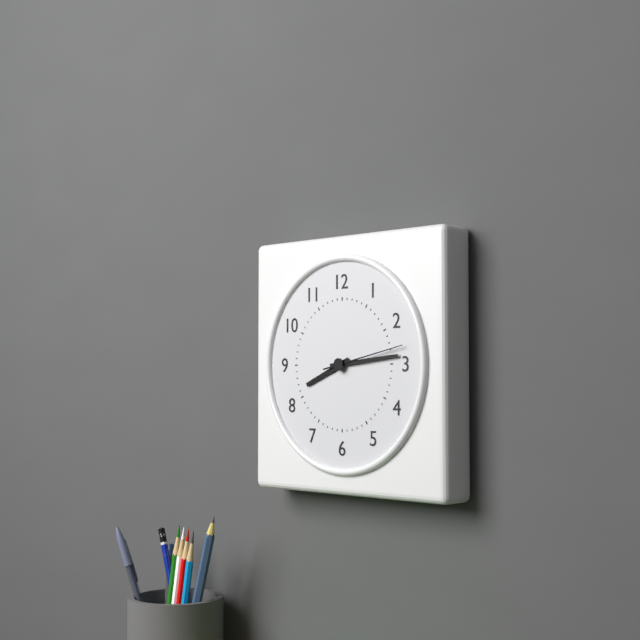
8 h 14 min 13 s
